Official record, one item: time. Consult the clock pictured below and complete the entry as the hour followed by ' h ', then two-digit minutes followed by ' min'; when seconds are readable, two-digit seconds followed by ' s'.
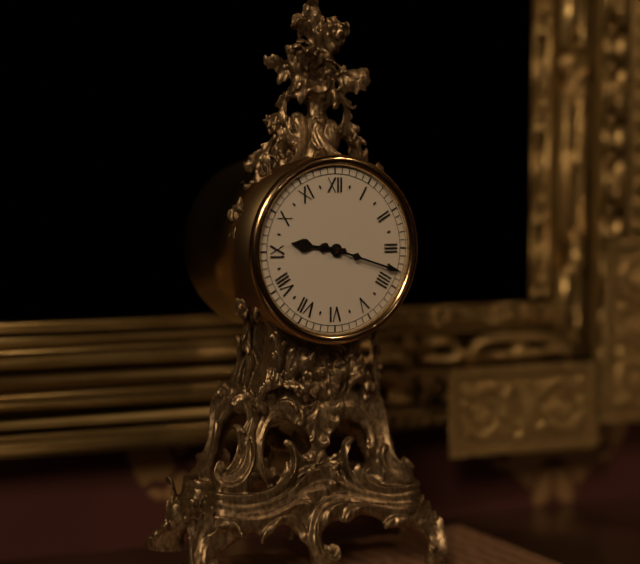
9 h 18 min
